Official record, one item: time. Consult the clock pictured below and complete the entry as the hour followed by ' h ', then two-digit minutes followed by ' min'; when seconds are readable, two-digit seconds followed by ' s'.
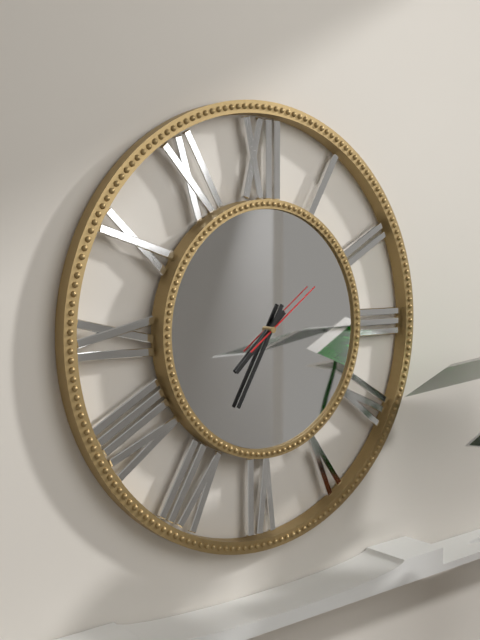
7 h 35 min 09 s
